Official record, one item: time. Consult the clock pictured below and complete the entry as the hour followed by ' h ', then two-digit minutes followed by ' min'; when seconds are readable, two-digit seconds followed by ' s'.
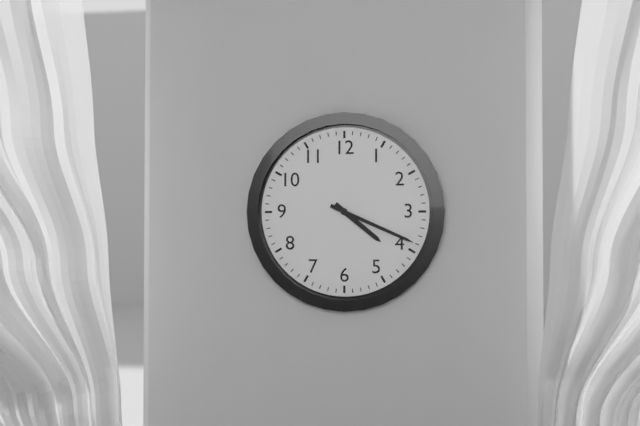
4 h 19 min
